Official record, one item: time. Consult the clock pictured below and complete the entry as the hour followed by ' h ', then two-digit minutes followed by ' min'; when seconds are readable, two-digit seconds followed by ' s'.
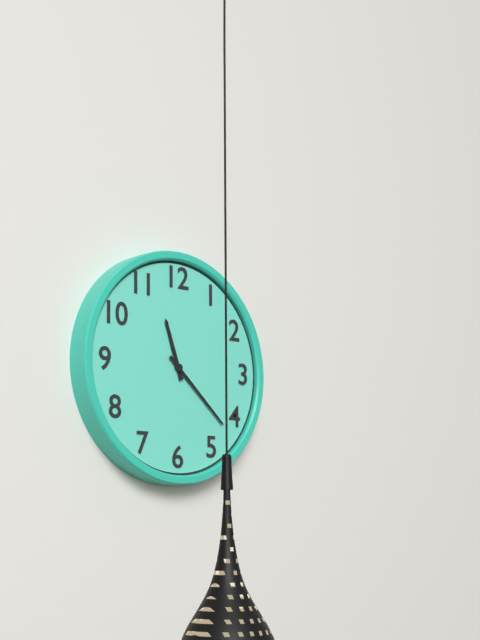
11 h 22 min
